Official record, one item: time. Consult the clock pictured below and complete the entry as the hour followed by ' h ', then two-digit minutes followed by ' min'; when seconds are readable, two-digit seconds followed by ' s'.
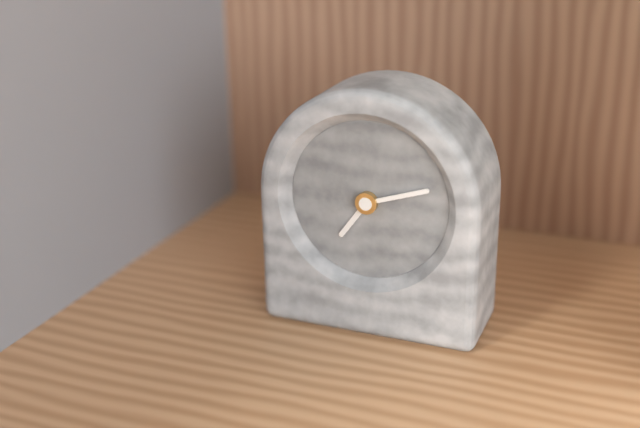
7 h 12 min
